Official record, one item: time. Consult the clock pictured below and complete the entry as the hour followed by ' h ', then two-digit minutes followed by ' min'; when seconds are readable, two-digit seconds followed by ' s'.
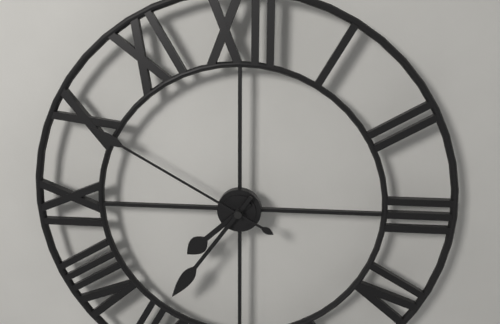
7 h 36 min 50 s
